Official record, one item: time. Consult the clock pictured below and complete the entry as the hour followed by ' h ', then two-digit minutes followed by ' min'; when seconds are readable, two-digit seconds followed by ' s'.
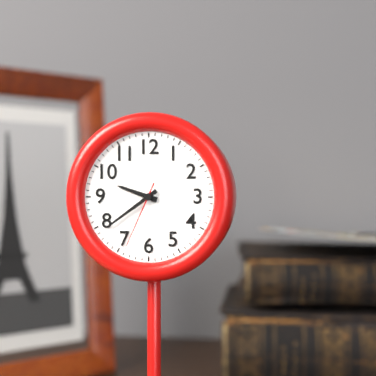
9 h 39 min 34 s
